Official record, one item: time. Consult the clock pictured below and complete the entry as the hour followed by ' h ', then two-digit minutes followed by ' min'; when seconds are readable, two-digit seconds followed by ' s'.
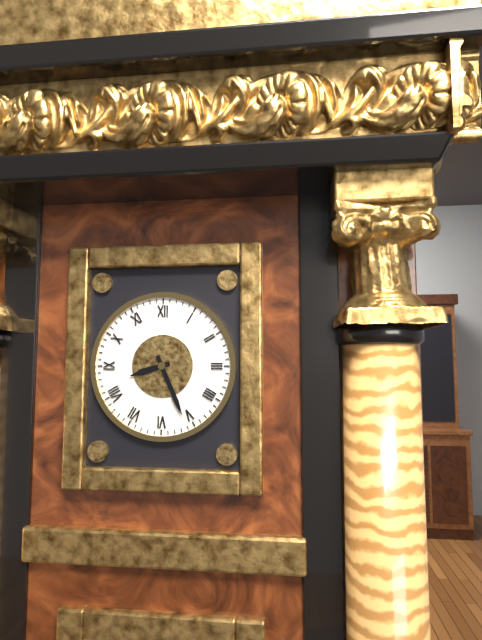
8 h 26 min
